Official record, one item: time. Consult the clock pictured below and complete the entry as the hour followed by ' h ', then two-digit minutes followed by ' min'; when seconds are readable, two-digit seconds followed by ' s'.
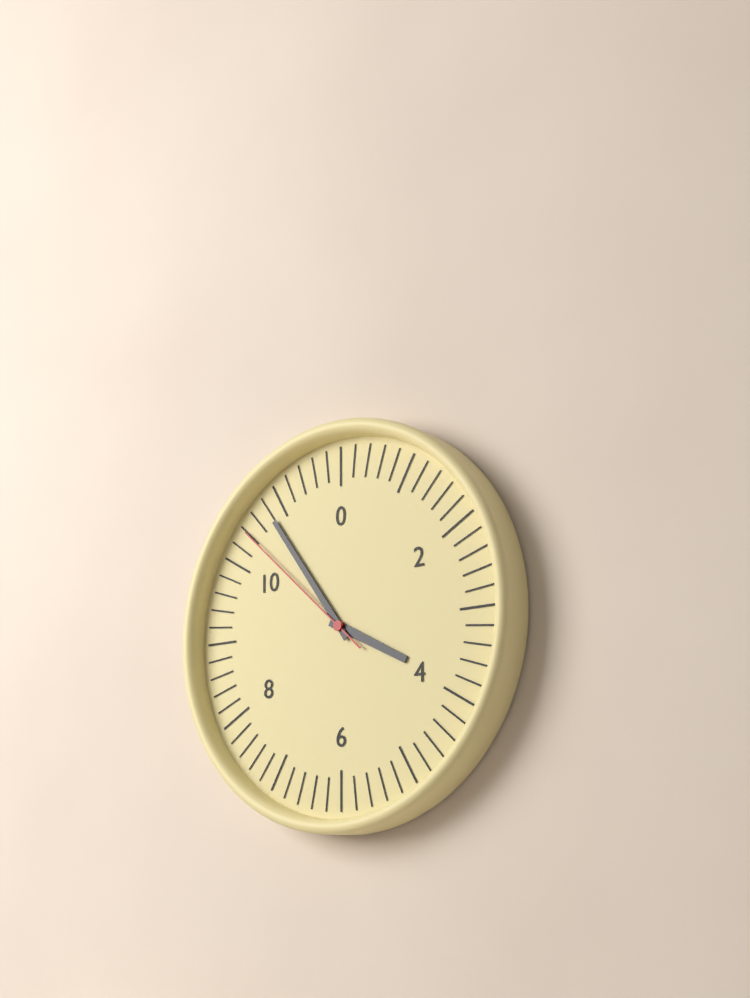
3 h 54 min 52 s
